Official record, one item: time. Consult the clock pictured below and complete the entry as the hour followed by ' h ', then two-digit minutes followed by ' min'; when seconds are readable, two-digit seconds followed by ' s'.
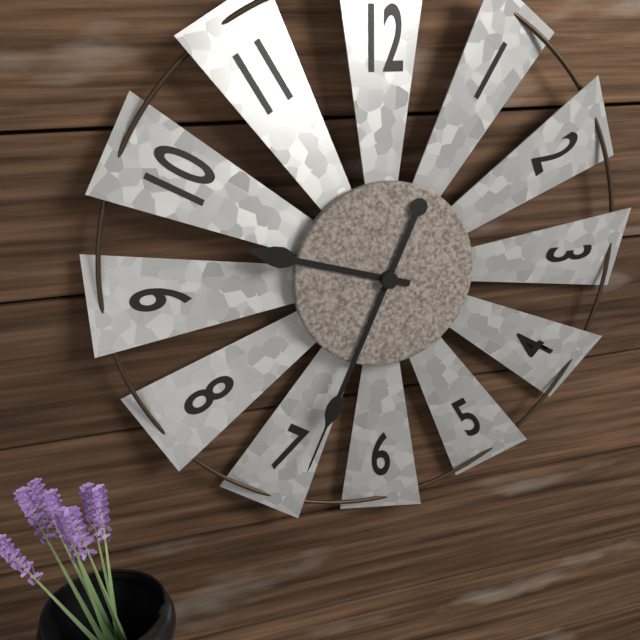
9 h 34 min
